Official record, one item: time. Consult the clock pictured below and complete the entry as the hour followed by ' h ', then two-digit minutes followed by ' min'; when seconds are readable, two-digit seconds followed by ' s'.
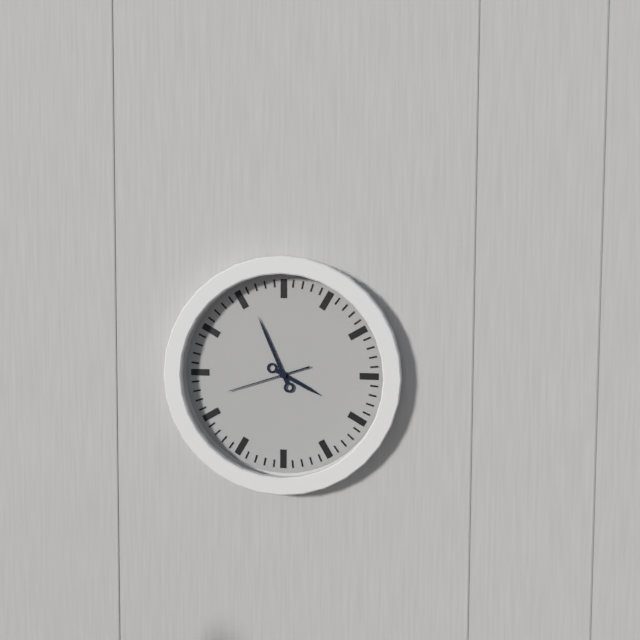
3 h 56 min 42 s
